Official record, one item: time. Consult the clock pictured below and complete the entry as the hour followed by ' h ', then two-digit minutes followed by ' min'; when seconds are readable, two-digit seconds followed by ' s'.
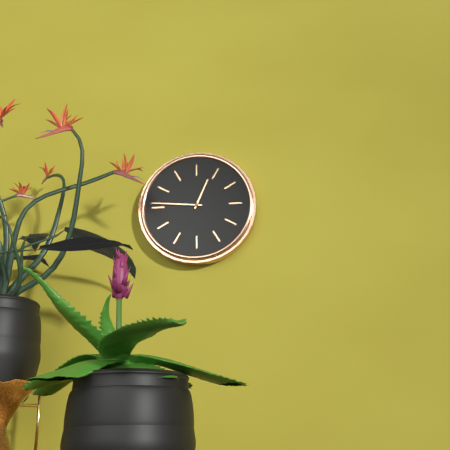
12 h 46 min
